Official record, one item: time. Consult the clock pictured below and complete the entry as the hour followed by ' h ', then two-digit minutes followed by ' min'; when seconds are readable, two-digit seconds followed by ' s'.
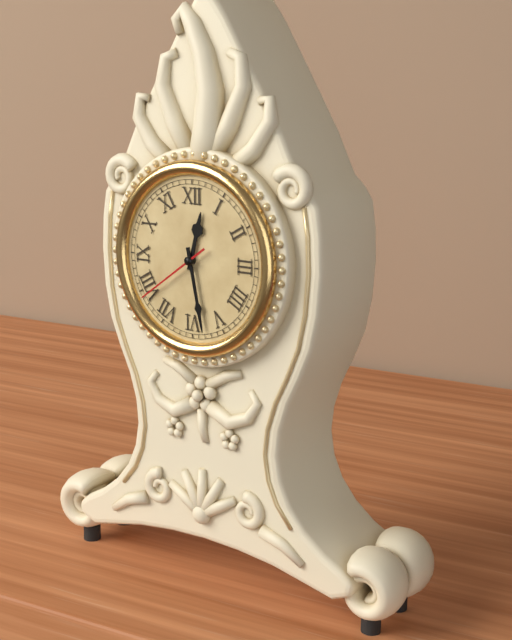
12 h 28 min 39 s
